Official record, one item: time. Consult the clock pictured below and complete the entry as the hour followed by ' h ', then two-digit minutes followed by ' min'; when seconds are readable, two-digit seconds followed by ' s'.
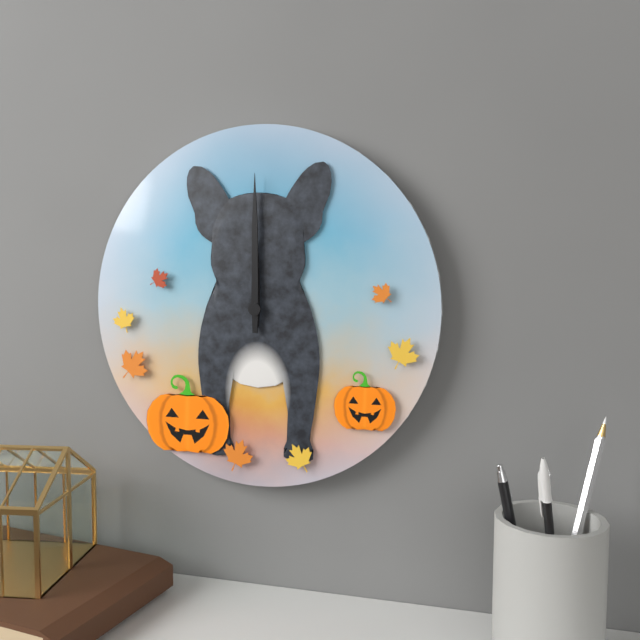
12 h 00 min
